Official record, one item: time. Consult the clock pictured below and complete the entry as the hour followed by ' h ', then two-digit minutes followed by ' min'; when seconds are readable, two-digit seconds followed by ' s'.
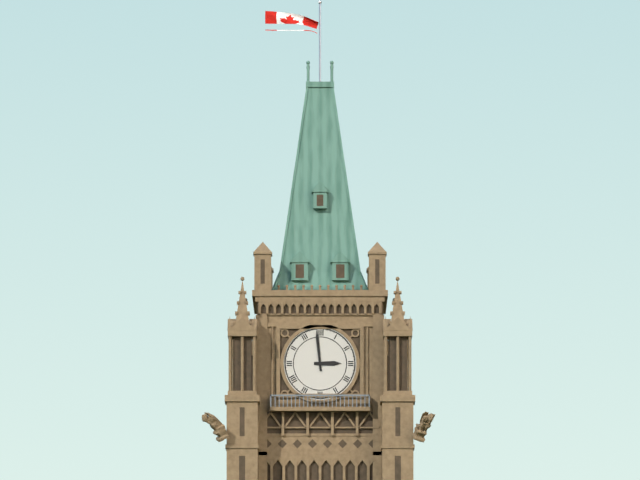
2 h 59 min
